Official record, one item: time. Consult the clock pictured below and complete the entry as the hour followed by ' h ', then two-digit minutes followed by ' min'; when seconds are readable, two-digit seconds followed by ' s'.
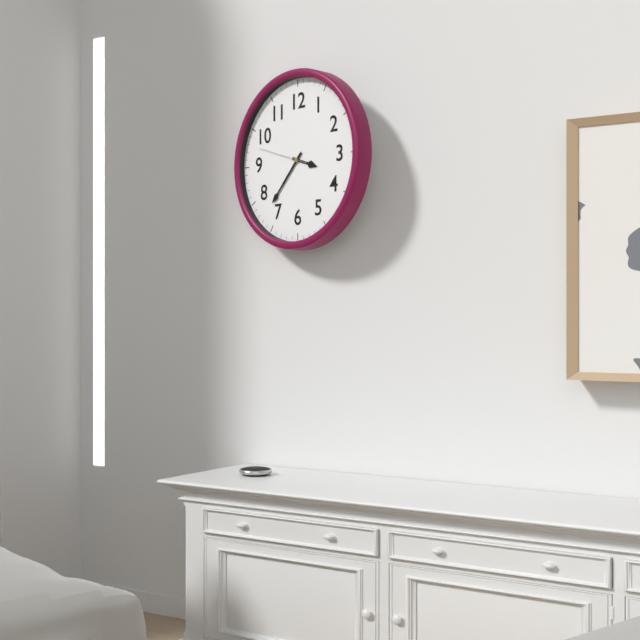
3 h 37 min 48 s
